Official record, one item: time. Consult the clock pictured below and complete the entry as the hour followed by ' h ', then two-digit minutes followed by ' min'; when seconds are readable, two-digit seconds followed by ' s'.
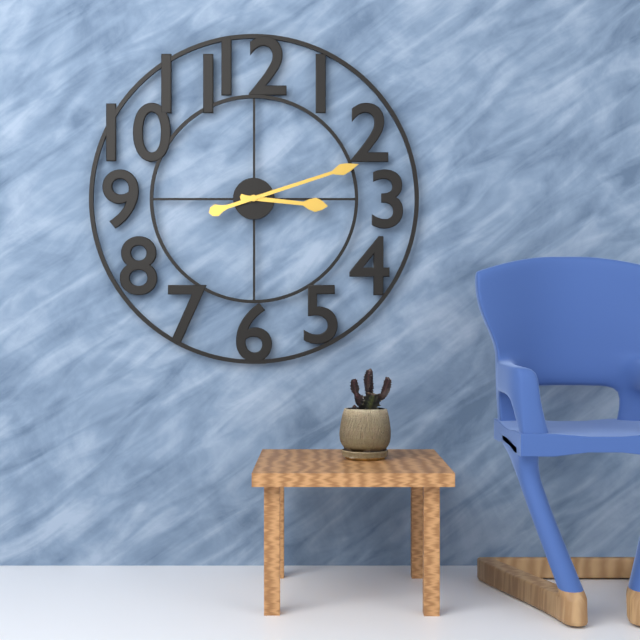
3 h 12 min
